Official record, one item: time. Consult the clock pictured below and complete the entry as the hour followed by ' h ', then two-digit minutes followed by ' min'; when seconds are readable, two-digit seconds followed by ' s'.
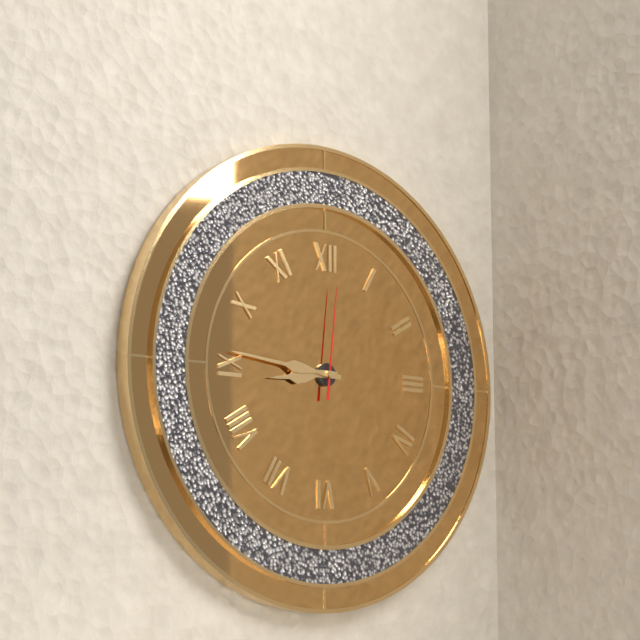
8 h 46 min 01 s
